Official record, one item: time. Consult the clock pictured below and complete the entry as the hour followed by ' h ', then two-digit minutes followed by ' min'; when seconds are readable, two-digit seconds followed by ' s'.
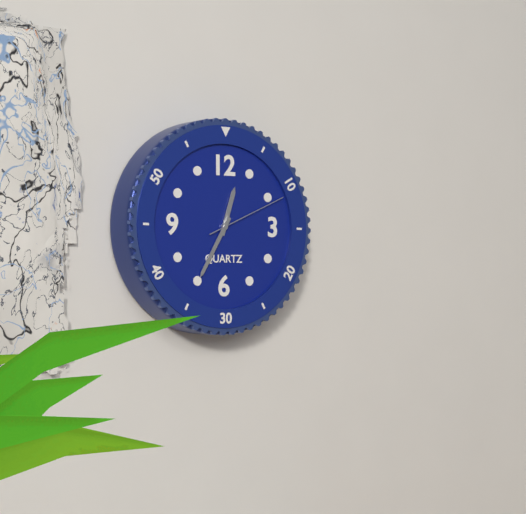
12 h 35 min 11 s
